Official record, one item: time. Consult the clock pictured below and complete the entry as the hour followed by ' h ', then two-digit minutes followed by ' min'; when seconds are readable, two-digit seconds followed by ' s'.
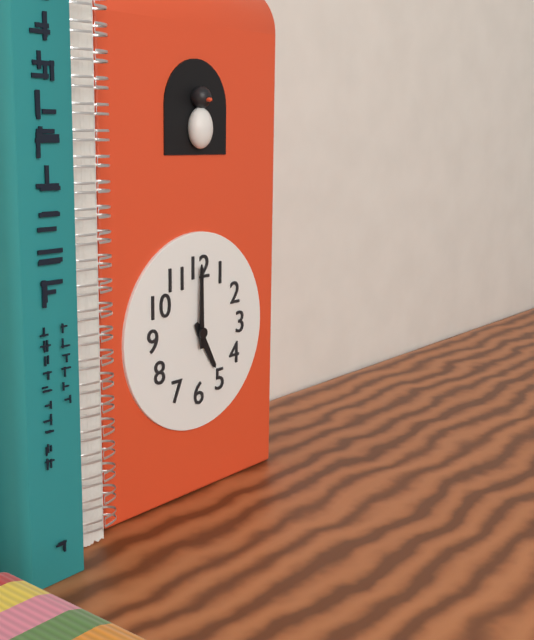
5 h 00 min
